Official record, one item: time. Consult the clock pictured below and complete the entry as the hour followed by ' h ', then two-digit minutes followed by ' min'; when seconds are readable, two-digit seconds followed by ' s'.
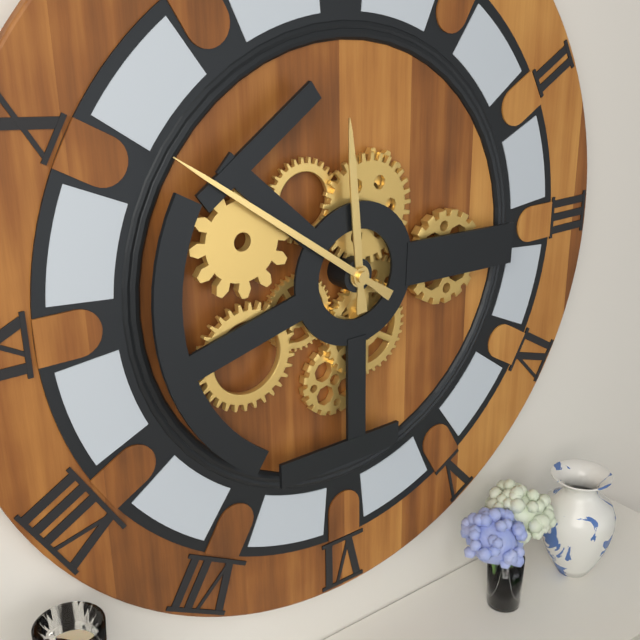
11 h 51 min
